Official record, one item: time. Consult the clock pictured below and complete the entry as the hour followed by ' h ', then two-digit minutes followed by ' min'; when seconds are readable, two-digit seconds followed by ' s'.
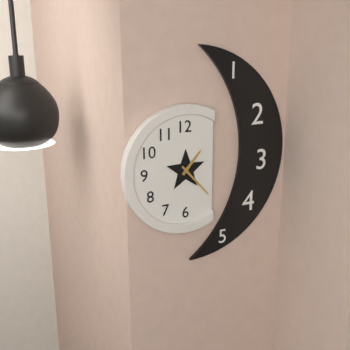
1 h 23 min
